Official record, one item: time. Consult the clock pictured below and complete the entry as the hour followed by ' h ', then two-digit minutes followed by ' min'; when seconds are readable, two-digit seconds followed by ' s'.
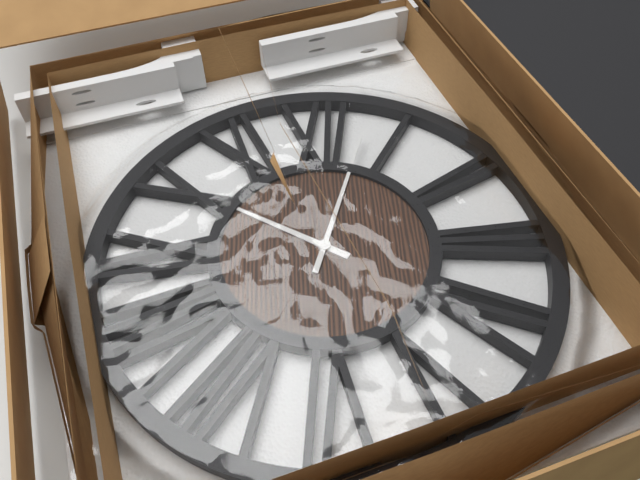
10 h 03 min
